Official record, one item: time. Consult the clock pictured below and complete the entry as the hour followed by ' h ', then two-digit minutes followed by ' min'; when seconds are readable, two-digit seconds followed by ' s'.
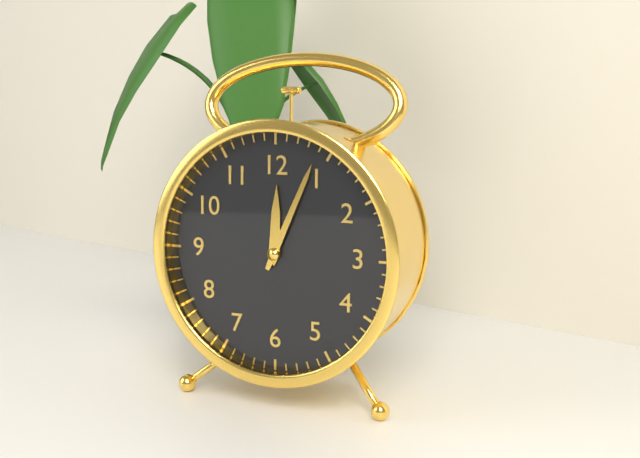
12 h 04 min
